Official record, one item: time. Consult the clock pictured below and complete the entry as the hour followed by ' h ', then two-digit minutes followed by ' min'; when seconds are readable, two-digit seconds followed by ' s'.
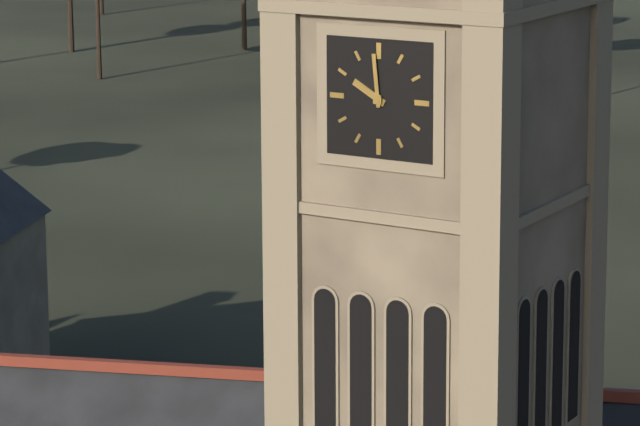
9 h 59 min
